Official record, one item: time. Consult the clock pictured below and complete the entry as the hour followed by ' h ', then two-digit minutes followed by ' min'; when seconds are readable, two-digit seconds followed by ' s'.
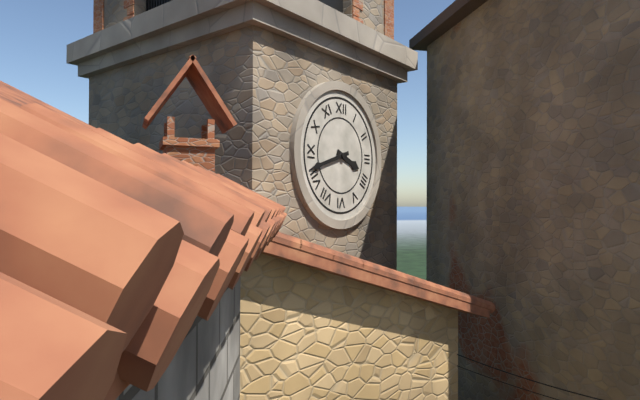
3 h 42 min
